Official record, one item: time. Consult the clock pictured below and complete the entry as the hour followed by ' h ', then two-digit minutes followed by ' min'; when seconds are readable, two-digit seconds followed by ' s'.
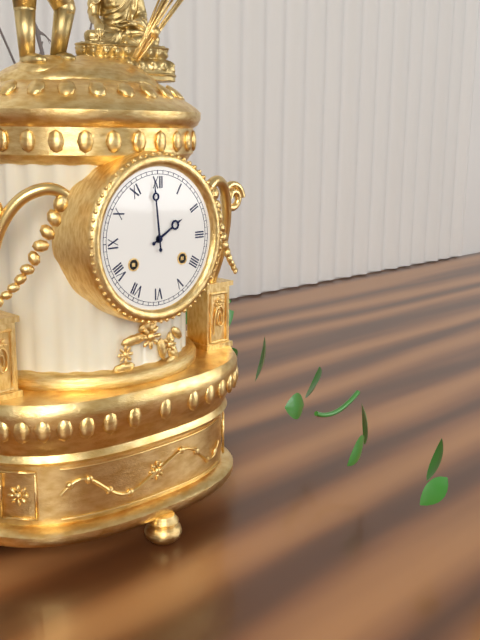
1 h 59 min
